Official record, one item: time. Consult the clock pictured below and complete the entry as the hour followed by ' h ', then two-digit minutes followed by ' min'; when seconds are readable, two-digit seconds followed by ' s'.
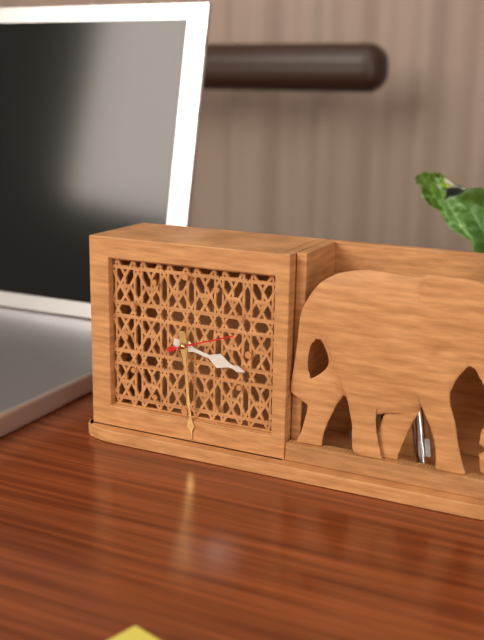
3 h 29 min 12 s
